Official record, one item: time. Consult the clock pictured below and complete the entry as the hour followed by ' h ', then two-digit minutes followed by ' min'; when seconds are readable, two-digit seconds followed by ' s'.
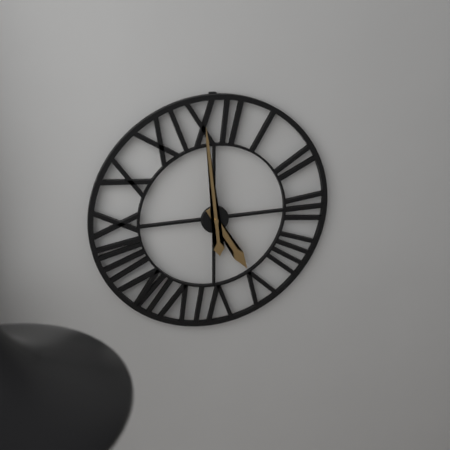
4 h 59 min
